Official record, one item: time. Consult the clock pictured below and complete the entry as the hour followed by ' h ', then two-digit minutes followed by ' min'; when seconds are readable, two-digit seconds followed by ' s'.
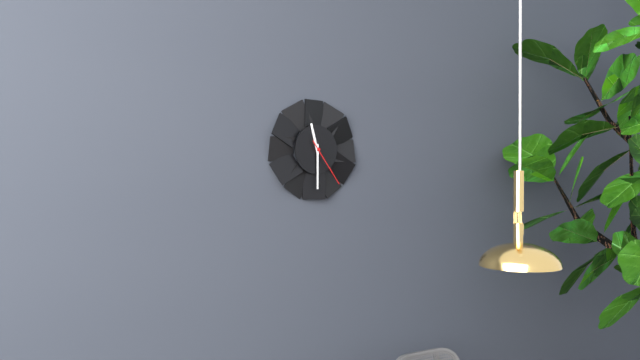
11 h 30 min 24 s
